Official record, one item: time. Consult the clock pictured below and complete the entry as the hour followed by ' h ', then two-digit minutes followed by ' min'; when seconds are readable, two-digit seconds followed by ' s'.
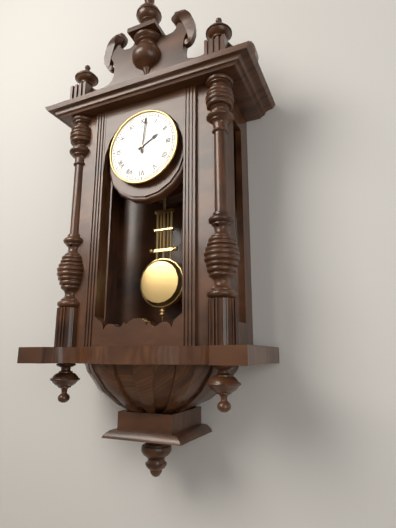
2 h 01 min
